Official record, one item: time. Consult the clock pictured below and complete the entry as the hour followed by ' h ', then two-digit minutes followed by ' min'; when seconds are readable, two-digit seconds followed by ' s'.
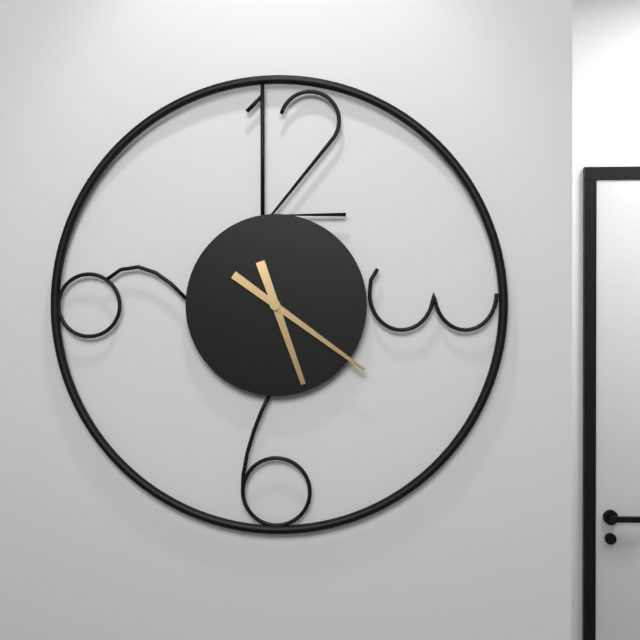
5 h 21 min
